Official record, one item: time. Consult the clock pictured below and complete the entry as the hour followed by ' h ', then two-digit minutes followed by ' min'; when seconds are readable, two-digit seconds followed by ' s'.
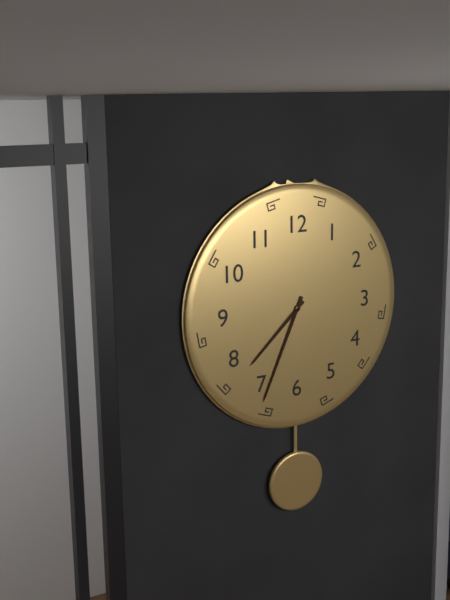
7 h 34 min
